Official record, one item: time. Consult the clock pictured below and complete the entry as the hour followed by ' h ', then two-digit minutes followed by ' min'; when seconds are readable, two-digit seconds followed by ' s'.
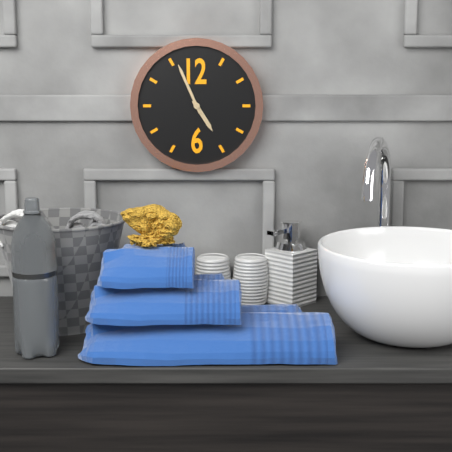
4 h 56 min
